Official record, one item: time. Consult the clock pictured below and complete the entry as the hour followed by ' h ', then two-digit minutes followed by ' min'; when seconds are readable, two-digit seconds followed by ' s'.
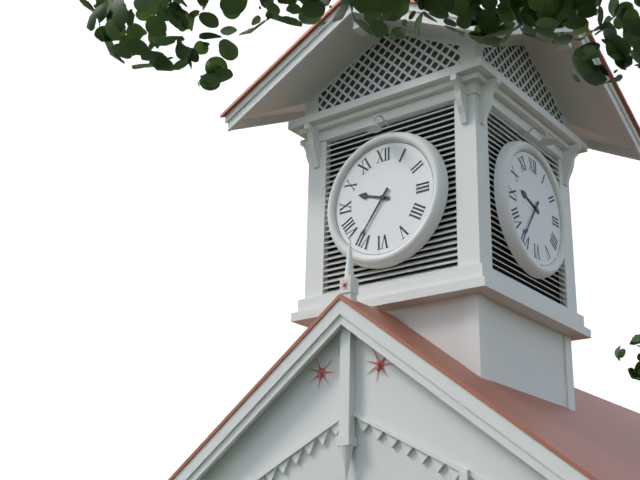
9 h 36 min
